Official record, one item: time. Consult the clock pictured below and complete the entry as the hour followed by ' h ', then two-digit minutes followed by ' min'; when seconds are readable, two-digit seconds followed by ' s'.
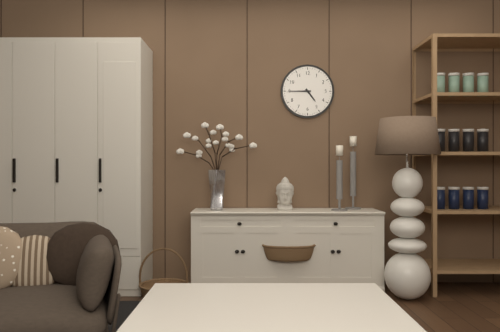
4 h 45 min
